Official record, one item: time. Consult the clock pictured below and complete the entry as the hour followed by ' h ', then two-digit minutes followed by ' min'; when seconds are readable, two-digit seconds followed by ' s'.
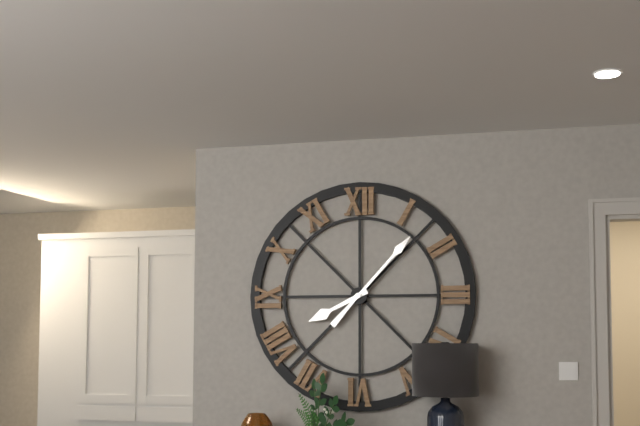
8 h 07 min
